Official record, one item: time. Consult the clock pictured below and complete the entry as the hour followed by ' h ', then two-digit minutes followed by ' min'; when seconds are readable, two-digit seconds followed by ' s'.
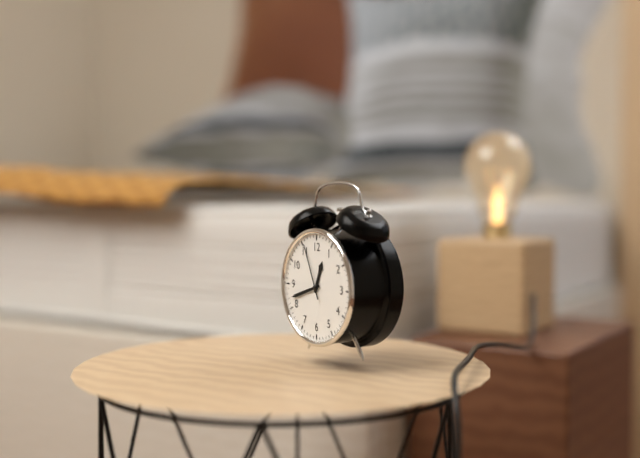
12 h 42 min 56 s
